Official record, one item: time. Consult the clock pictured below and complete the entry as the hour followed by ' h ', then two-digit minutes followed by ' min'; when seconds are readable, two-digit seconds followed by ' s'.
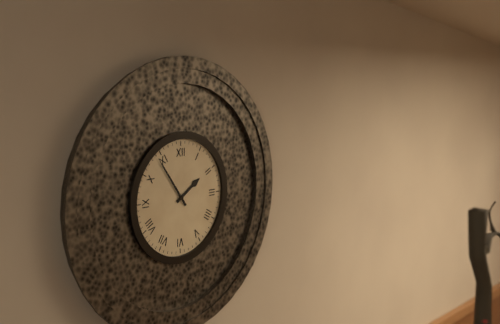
1 h 54 min
